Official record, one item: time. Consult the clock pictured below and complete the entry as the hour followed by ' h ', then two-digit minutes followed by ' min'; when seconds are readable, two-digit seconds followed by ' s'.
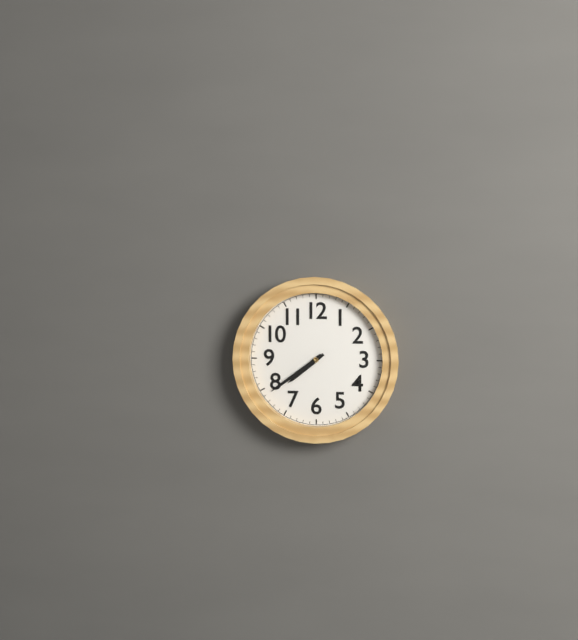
7 h 39 min
